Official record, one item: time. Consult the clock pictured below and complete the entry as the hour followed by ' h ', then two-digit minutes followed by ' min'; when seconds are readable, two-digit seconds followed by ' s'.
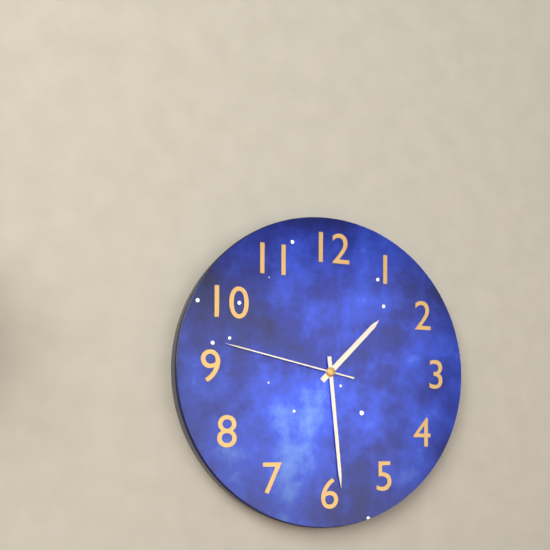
1 h 29 min 47 s
